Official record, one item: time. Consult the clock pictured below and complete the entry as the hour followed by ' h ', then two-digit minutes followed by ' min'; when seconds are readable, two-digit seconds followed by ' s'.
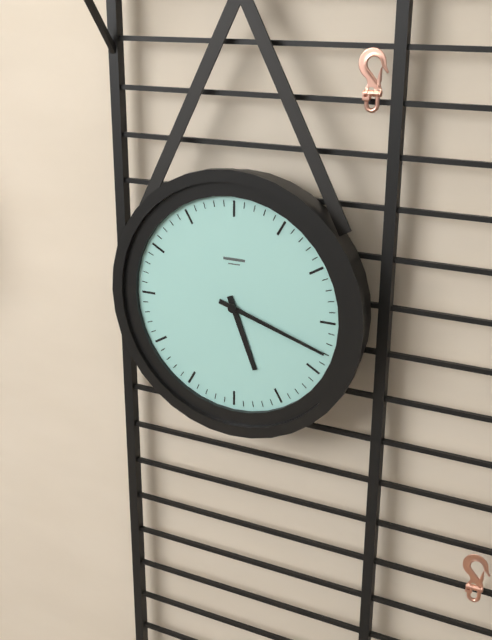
5 h 18 min
